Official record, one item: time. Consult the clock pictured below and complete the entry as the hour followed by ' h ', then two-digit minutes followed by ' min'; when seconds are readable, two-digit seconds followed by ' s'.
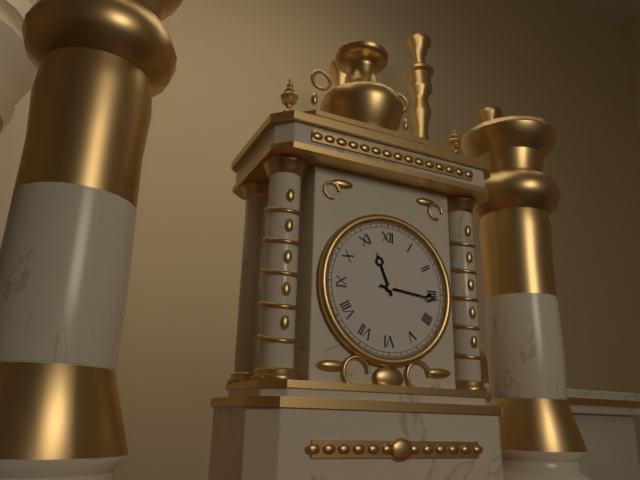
11 h 16 min
